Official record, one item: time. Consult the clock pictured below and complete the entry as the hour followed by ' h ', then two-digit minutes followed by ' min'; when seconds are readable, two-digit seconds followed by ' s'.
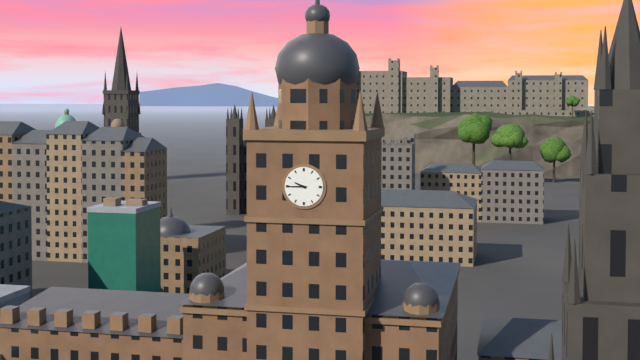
9 h 45 min
